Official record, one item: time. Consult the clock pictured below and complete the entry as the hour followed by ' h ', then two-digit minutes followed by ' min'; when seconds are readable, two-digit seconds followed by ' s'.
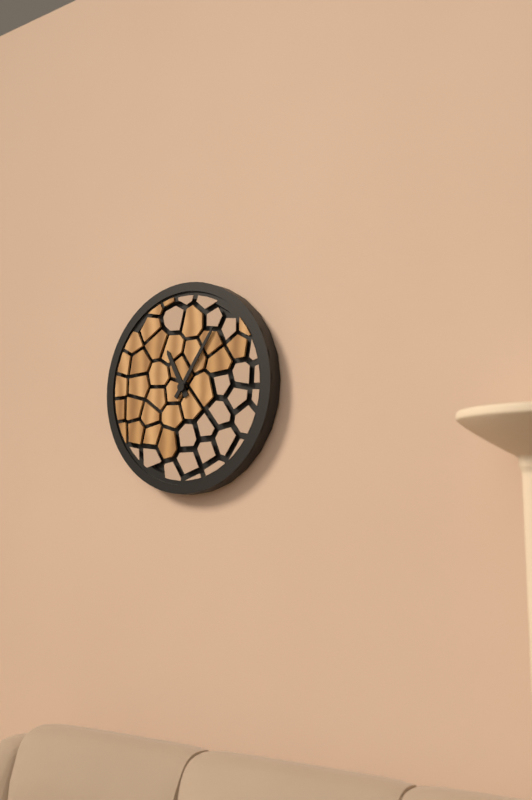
11 h 06 min
